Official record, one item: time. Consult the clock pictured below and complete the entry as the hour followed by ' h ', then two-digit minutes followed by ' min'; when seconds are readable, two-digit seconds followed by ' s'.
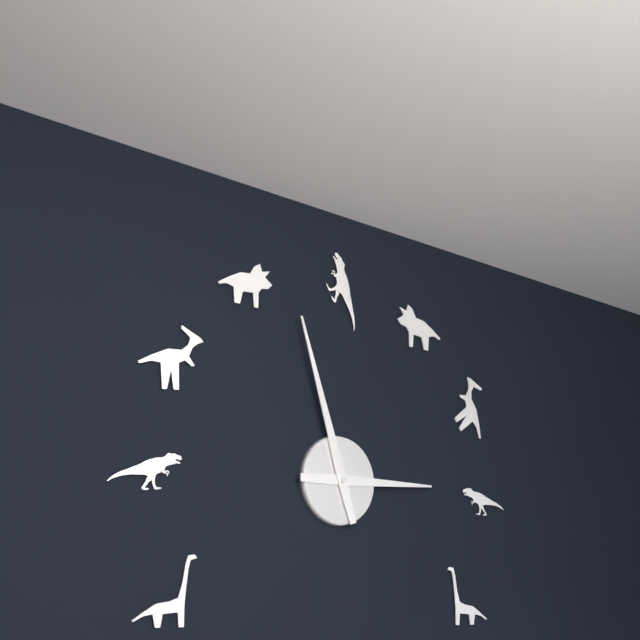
2 h 57 min
